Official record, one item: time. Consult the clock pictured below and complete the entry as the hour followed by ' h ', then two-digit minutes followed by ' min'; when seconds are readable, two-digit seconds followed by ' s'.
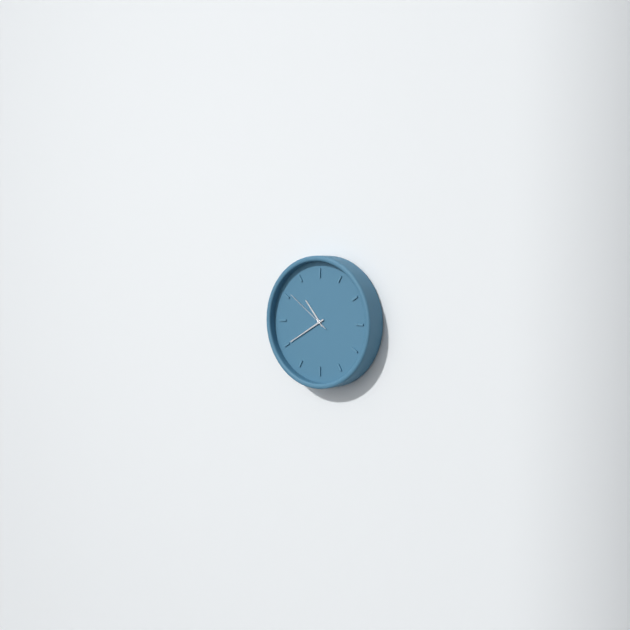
10 h 40 min
